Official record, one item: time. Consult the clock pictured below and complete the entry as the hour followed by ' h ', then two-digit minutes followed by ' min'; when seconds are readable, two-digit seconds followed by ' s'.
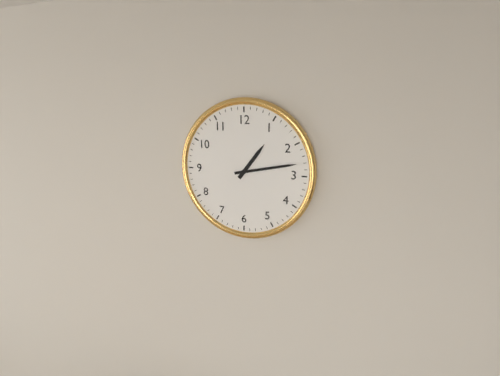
1 h 13 min
